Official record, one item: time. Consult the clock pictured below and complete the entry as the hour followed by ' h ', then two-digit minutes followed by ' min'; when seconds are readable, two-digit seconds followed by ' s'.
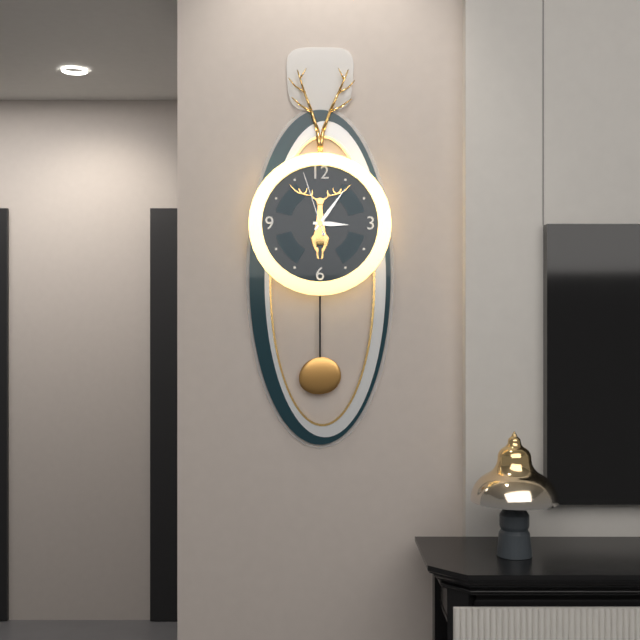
3 h 06 min 57 s
